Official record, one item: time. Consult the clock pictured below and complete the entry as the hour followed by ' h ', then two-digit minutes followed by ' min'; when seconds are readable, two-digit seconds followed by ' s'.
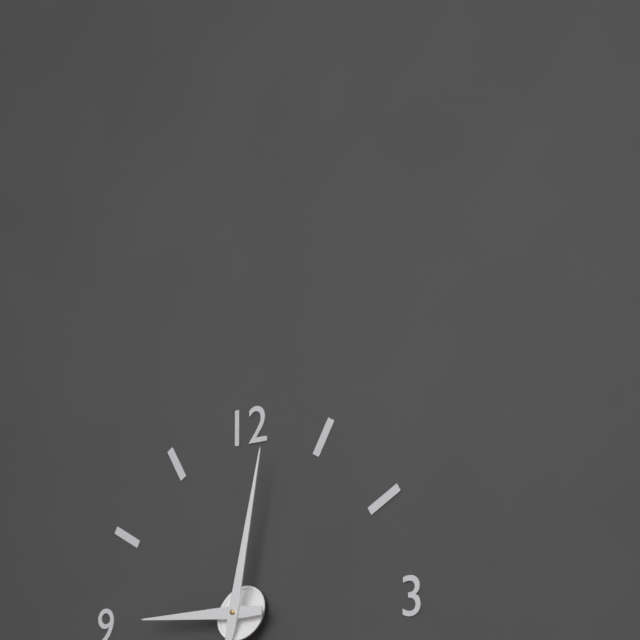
9 h 02 min
